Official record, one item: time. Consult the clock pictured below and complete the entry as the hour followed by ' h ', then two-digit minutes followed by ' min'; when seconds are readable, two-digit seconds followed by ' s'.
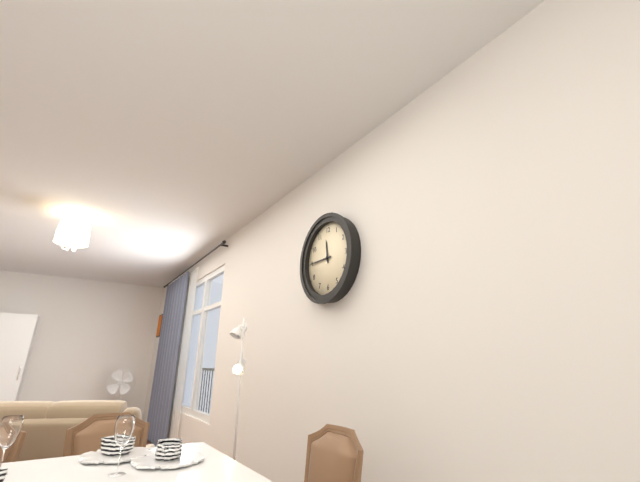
11 h 45 min
